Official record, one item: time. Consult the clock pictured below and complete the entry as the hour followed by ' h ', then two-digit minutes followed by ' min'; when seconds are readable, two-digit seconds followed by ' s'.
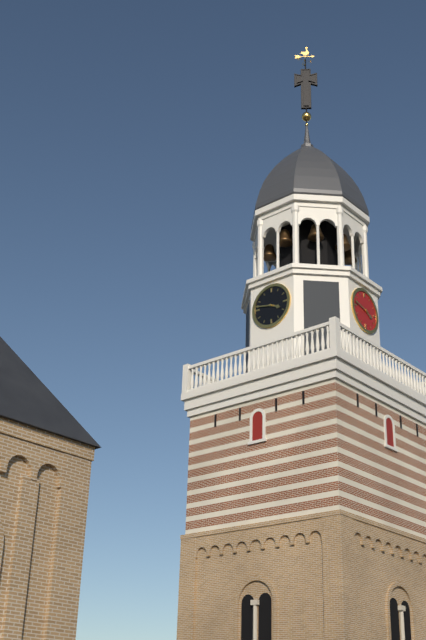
3 h 47 min
